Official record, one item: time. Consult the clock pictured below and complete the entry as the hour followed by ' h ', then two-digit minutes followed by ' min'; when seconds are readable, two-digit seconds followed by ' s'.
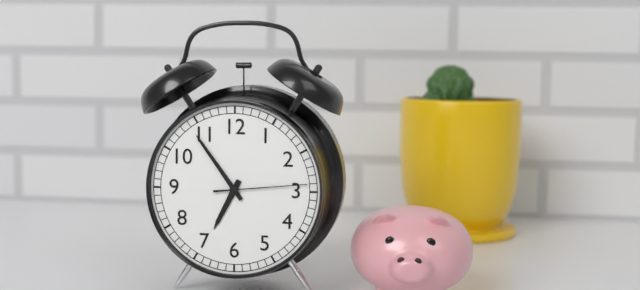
6 h 54 min 14 s
